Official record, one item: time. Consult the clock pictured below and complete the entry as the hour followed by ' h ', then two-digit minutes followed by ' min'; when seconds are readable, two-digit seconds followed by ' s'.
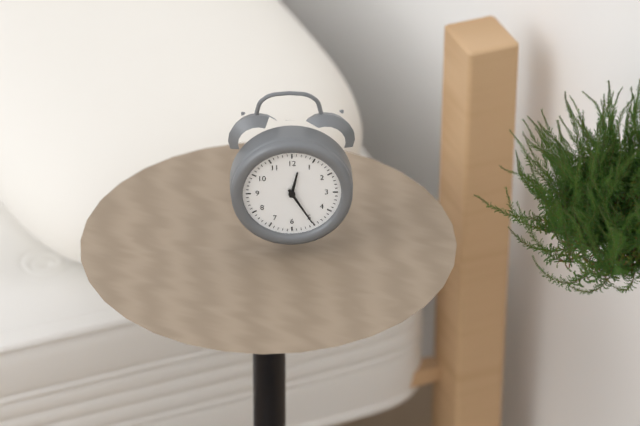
12 h 25 min
